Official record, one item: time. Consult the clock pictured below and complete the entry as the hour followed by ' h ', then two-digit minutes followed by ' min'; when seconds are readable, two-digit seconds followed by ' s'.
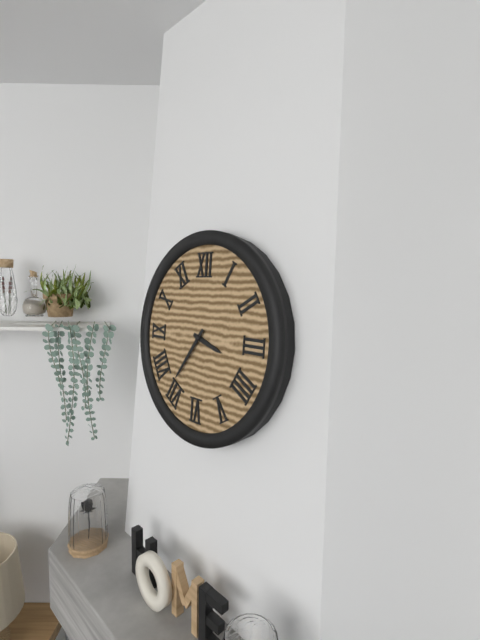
3 h 36 min
